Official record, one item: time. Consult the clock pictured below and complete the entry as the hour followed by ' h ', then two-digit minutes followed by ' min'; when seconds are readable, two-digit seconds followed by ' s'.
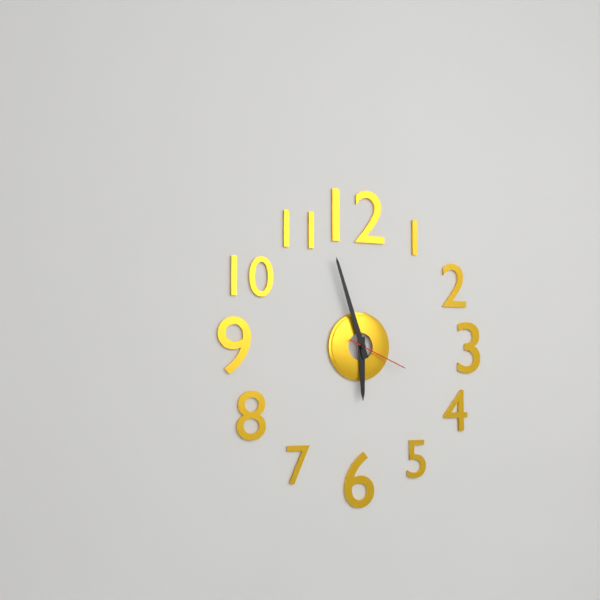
5 h 57 min 19 s
